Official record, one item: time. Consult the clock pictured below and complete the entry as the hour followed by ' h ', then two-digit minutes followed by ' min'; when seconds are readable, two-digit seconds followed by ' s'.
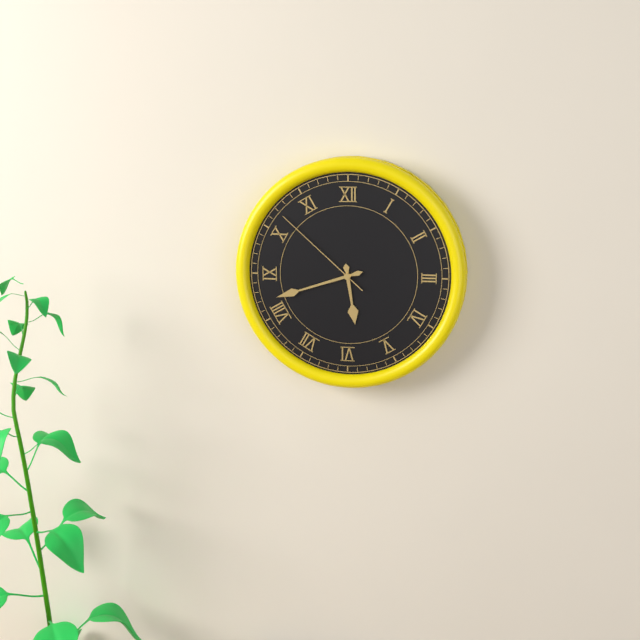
5 h 42 min 52 s
